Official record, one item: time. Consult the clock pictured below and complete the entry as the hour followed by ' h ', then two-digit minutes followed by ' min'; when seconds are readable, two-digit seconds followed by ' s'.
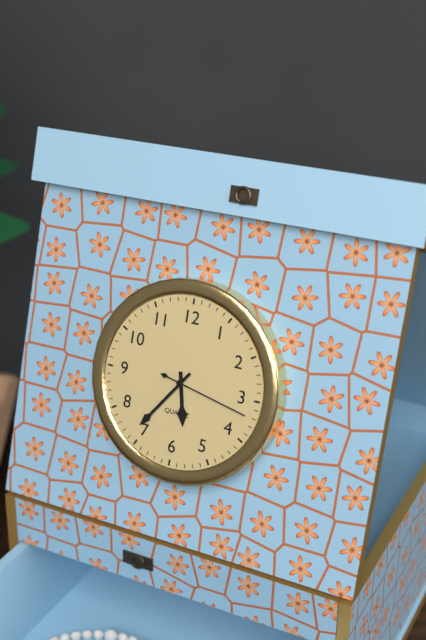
5 h 36 min 17 s
